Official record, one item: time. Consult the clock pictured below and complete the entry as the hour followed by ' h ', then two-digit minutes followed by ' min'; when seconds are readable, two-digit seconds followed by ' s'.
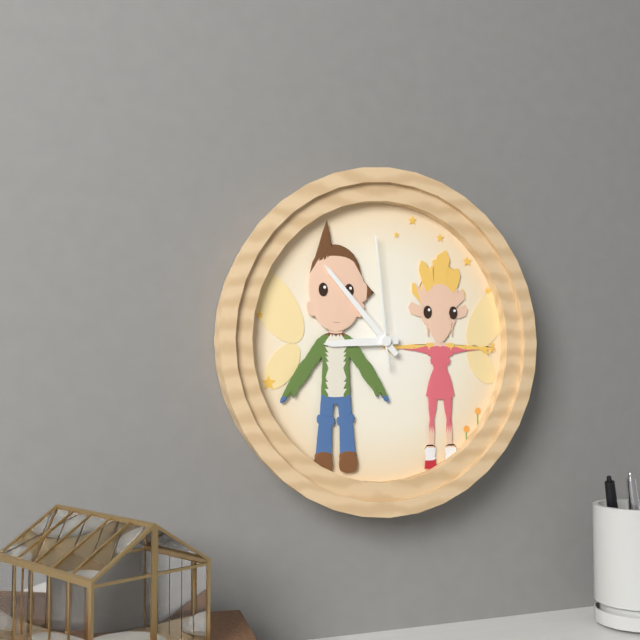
8 h 53 min 59 s
